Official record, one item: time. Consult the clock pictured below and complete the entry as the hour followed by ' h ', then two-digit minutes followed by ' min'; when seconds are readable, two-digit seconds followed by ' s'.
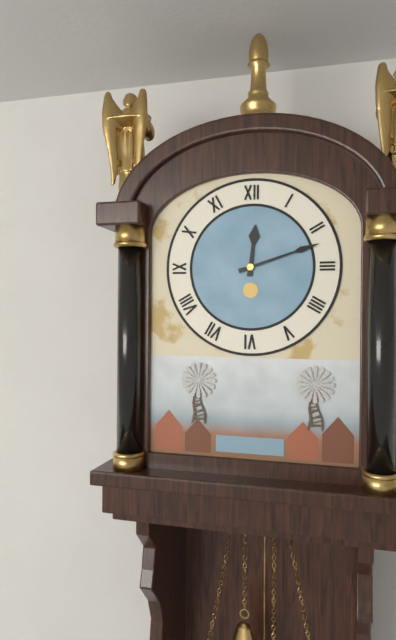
12 h 12 min
